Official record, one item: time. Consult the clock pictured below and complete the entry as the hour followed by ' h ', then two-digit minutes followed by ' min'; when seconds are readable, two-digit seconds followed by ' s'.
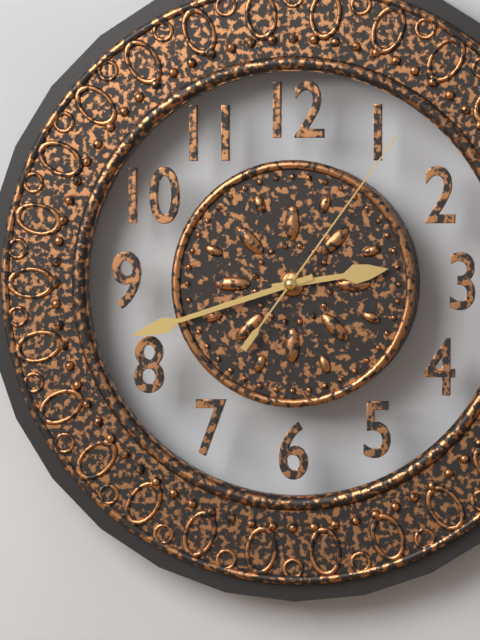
2 h 42 min 06 s
